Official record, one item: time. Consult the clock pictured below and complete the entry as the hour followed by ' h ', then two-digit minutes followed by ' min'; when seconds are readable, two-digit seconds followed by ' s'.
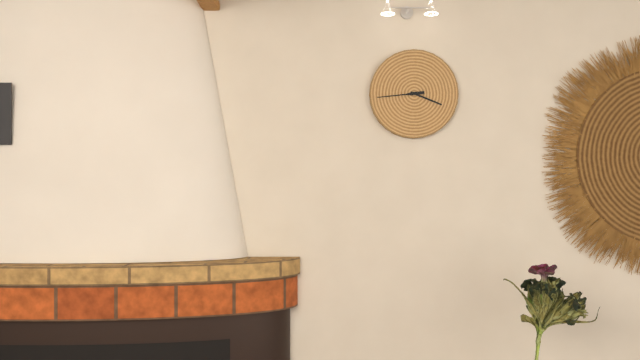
3 h 44 min
